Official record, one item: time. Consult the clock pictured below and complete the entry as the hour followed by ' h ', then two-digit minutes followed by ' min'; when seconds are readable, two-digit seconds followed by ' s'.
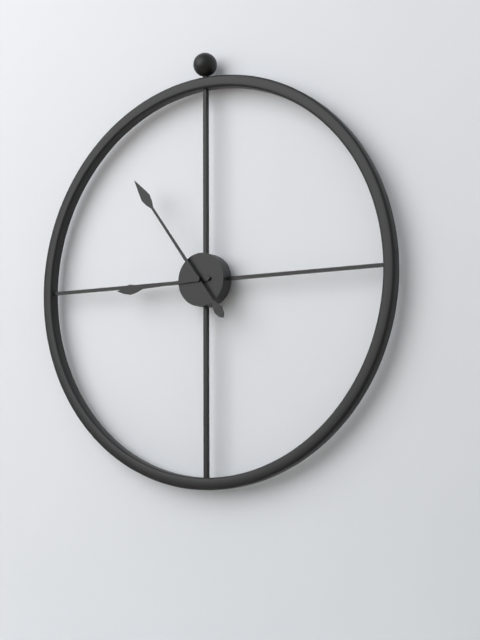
8 h 54 min
